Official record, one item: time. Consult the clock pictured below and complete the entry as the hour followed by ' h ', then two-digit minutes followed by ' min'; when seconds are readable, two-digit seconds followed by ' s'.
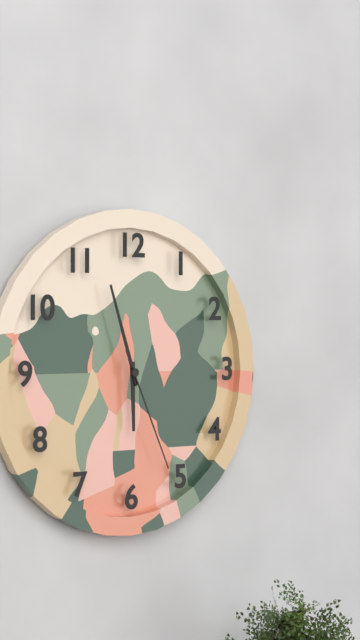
5 h 57 min 26 s
